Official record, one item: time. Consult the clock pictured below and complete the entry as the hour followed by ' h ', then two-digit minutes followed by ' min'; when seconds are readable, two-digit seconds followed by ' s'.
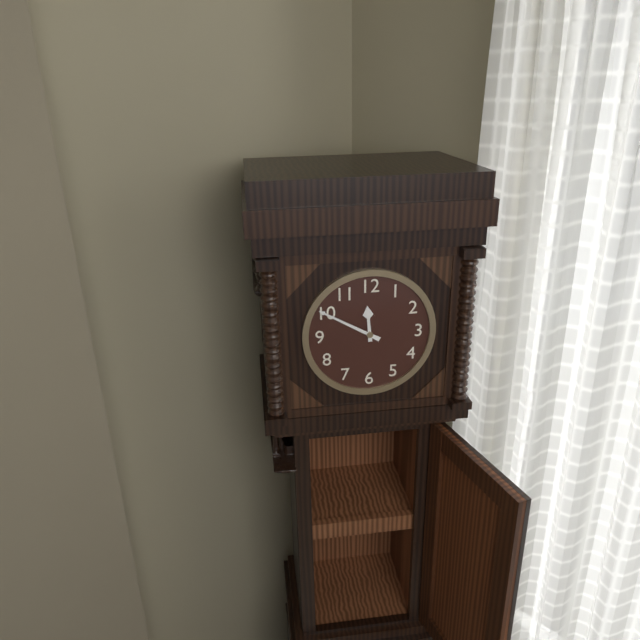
11 h 50 min
